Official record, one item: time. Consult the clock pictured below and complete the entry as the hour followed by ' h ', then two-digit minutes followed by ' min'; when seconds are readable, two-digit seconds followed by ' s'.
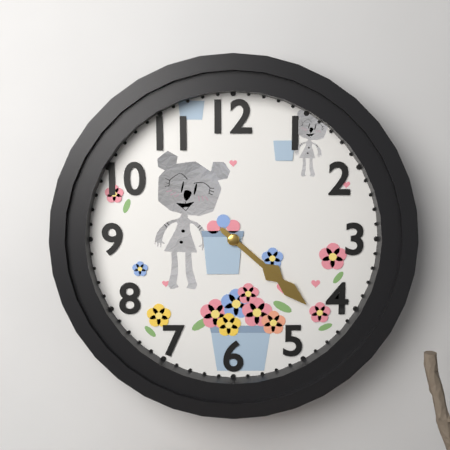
4 h 22 min
